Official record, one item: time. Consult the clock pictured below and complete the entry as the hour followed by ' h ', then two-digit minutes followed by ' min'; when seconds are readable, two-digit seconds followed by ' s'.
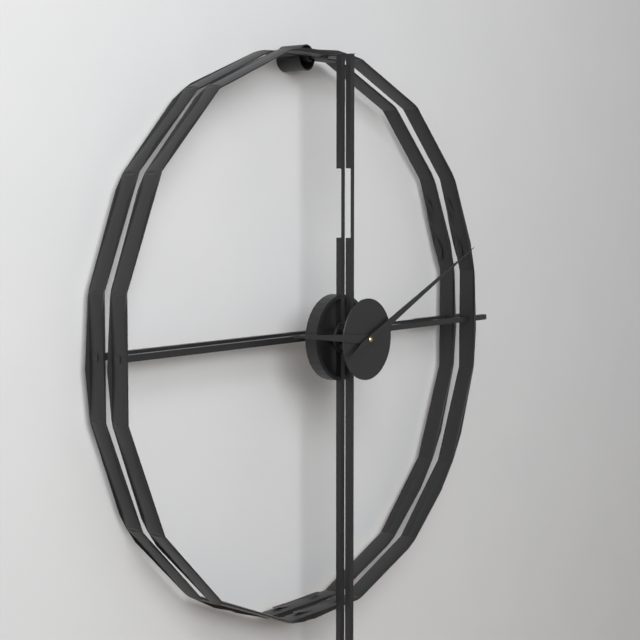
9 h 11 min
